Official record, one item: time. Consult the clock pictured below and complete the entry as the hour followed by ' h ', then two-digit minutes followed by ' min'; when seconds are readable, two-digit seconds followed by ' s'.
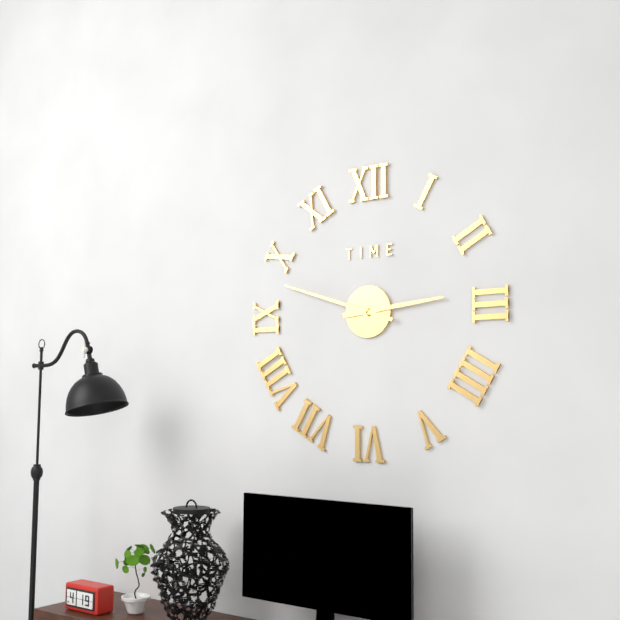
2 h 48 min
